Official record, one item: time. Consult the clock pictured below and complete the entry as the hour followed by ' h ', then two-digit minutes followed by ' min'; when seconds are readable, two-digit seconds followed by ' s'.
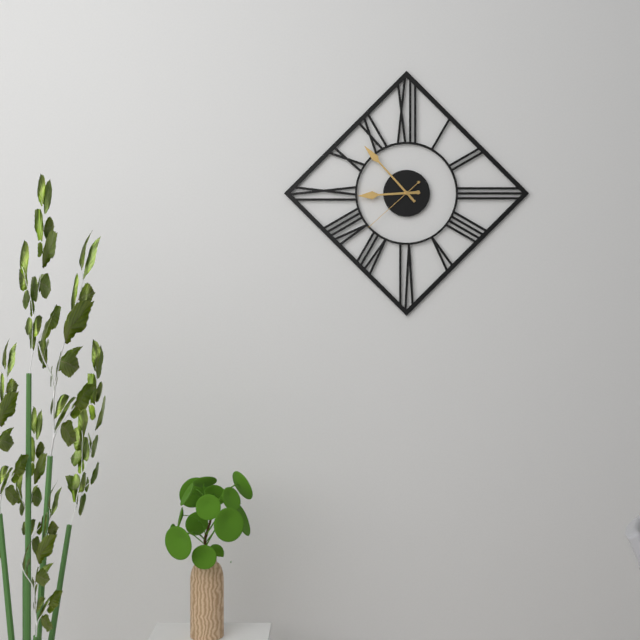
8 h 53 min 38 s
